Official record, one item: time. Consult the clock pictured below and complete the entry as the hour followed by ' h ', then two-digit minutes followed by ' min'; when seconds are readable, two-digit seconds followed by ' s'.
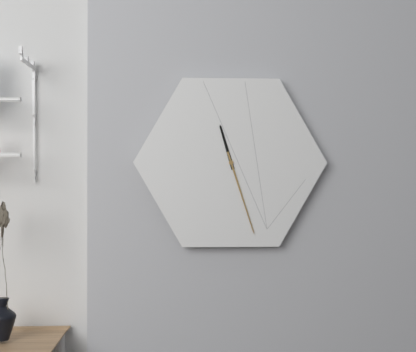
11 h 27 min
